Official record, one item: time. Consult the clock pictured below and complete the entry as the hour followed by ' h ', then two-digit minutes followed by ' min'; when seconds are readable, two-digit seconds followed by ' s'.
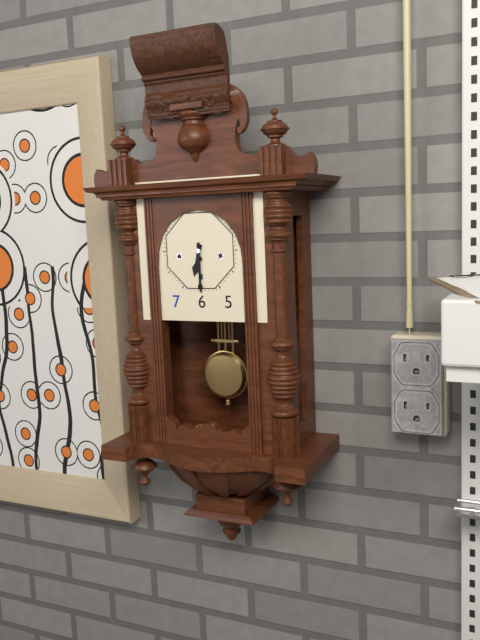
6 h 30 min
